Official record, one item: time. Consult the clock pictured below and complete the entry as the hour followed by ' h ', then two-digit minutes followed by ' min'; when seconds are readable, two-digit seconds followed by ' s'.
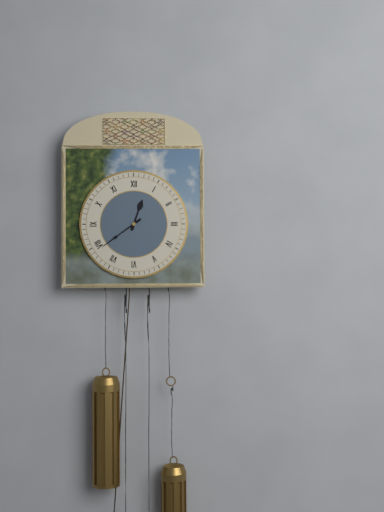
12 h 39 min
